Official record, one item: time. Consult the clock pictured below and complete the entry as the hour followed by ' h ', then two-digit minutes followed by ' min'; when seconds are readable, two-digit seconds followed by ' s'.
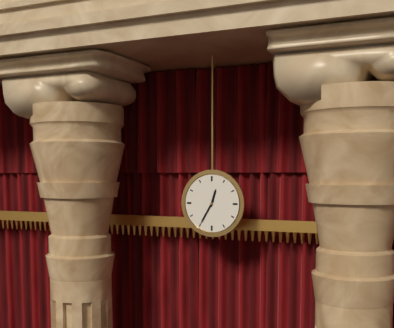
12 h 35 min
